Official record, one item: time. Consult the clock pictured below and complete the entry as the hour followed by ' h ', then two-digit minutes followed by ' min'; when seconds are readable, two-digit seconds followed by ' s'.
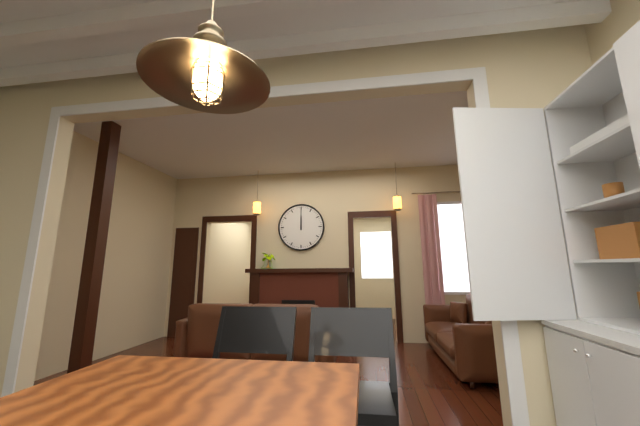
12 h 00 min
